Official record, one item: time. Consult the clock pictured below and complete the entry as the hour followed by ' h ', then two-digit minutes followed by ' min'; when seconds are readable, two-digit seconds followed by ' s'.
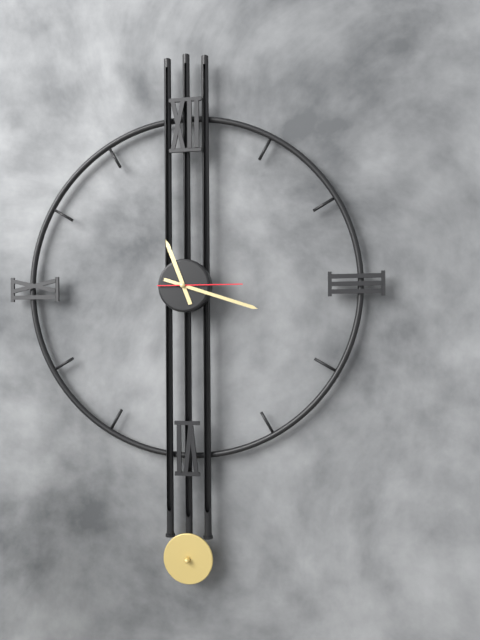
11 h 18 min 15 s
